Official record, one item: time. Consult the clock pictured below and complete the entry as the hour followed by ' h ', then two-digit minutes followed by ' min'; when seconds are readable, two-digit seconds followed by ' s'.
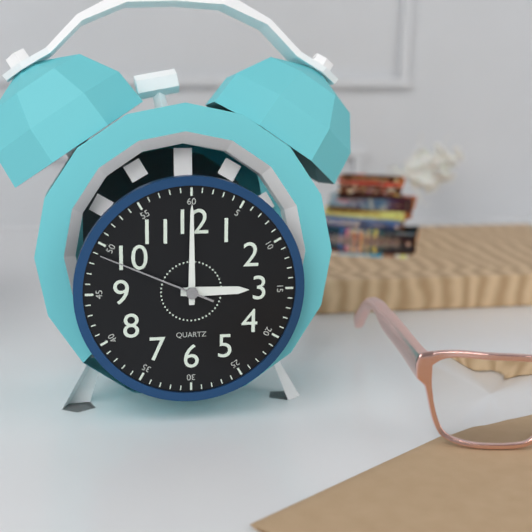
3 h 00 min 49 s
